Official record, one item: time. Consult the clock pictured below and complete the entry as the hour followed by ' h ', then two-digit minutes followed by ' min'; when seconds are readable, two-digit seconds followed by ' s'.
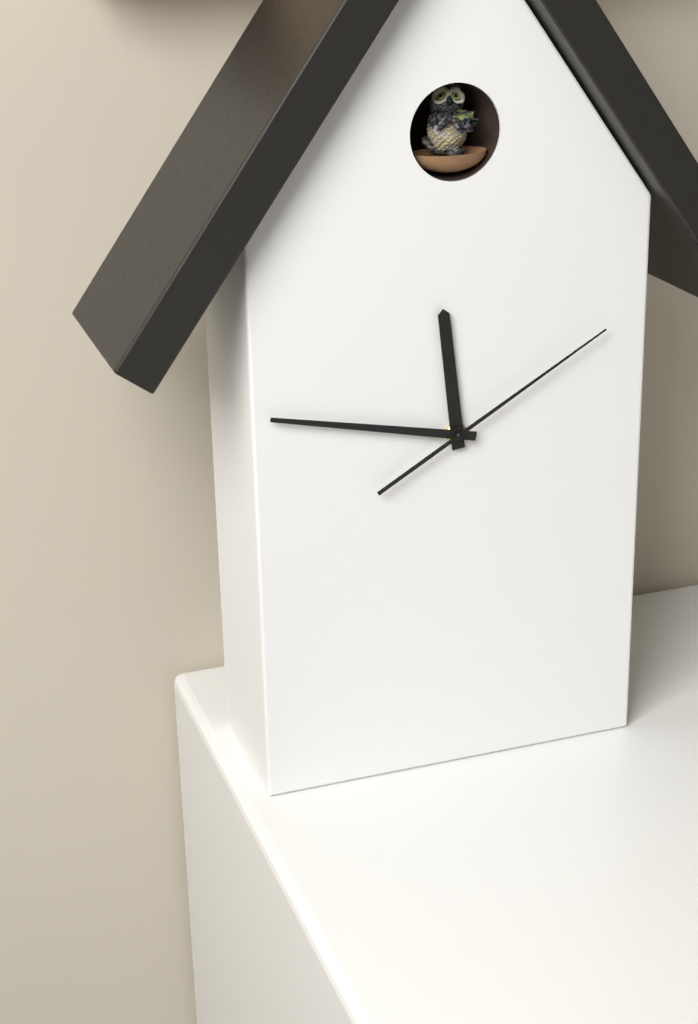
11 h 47 min 10 s
